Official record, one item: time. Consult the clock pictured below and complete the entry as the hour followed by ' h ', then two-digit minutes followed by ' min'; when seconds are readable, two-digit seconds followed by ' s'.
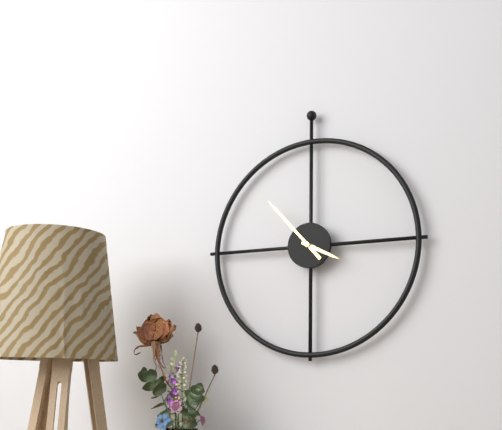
3 h 53 min
